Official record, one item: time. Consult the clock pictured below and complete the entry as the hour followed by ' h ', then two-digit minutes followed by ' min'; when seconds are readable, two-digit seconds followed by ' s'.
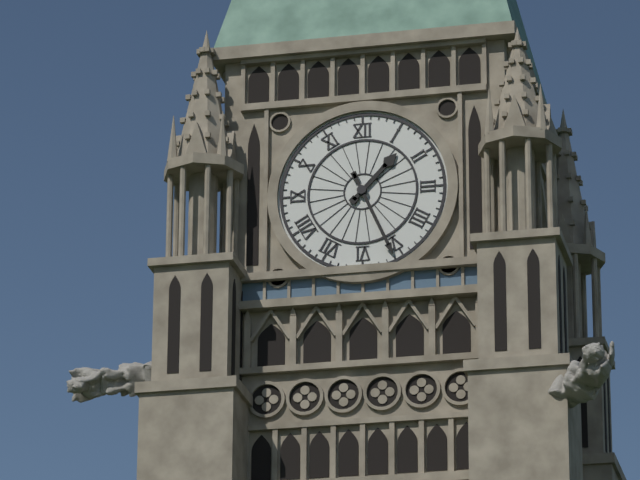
1 h 26 min
